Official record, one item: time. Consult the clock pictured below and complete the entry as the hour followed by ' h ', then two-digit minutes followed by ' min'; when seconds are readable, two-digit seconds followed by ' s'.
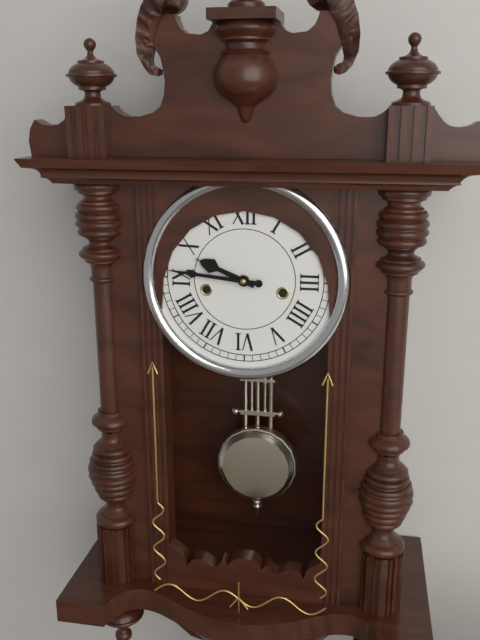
9 h 46 min
